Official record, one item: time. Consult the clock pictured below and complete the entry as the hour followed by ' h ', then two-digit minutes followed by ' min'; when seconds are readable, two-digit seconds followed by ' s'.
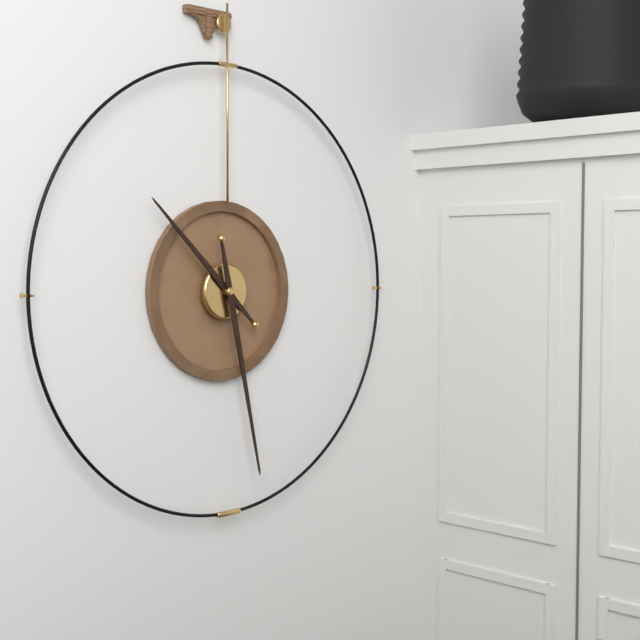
10 h 28 min
